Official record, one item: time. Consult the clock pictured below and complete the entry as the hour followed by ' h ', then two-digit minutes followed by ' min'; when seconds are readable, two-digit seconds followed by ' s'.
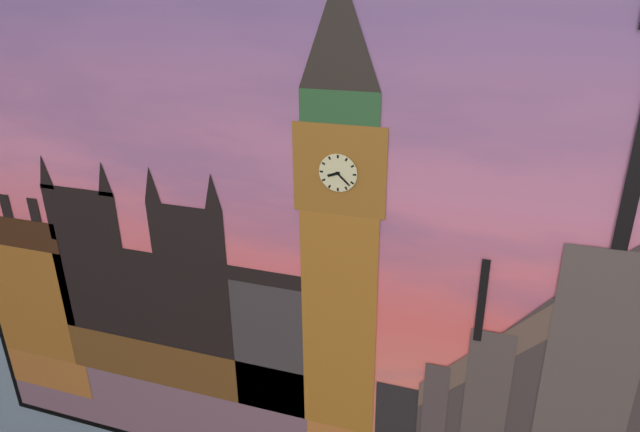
8 h 22 min
